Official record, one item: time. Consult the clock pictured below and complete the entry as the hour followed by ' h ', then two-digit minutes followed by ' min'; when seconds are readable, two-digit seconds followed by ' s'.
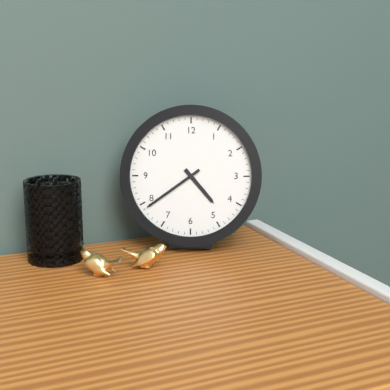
4 h 39 min
